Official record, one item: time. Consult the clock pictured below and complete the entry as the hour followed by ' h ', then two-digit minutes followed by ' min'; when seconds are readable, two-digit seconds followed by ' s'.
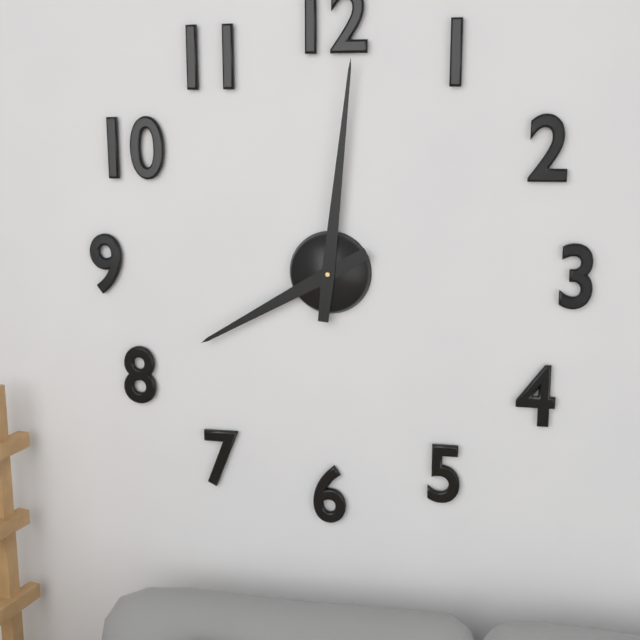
8 h 01 min
